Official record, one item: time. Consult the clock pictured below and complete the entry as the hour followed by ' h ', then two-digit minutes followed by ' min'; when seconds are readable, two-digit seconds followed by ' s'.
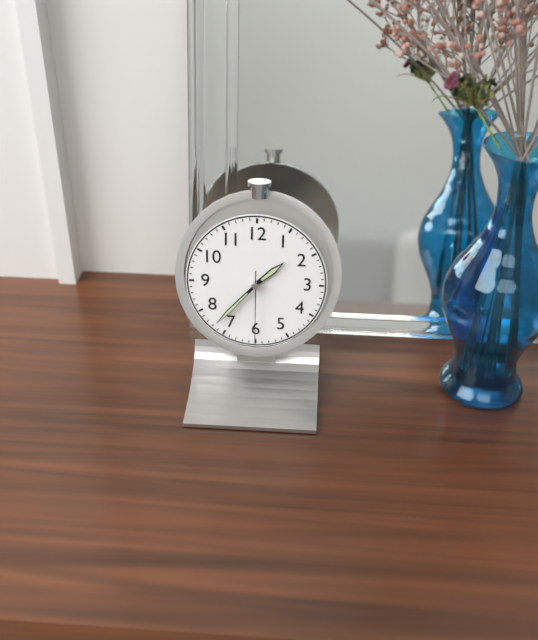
1 h 37 min 30 s
